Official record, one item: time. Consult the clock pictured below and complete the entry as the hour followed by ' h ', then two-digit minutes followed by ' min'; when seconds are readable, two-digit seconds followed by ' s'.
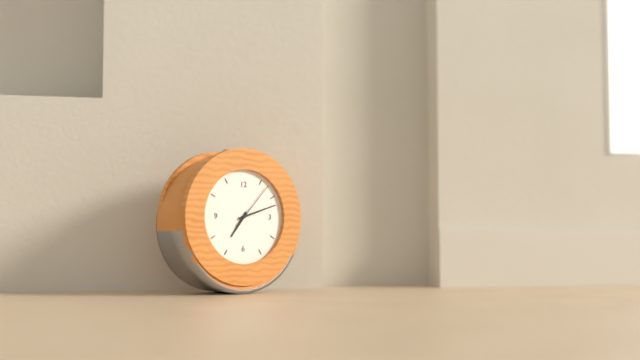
7 h 12 min
